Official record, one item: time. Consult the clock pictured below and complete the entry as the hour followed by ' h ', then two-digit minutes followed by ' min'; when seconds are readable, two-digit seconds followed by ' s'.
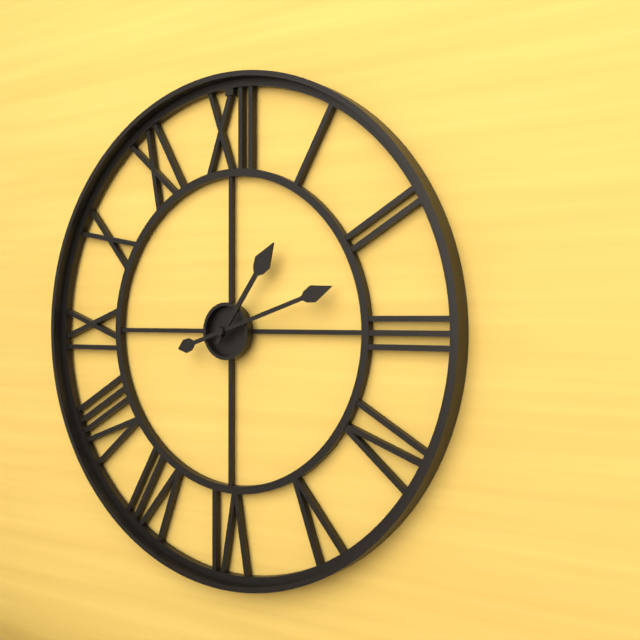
1 h 12 min
